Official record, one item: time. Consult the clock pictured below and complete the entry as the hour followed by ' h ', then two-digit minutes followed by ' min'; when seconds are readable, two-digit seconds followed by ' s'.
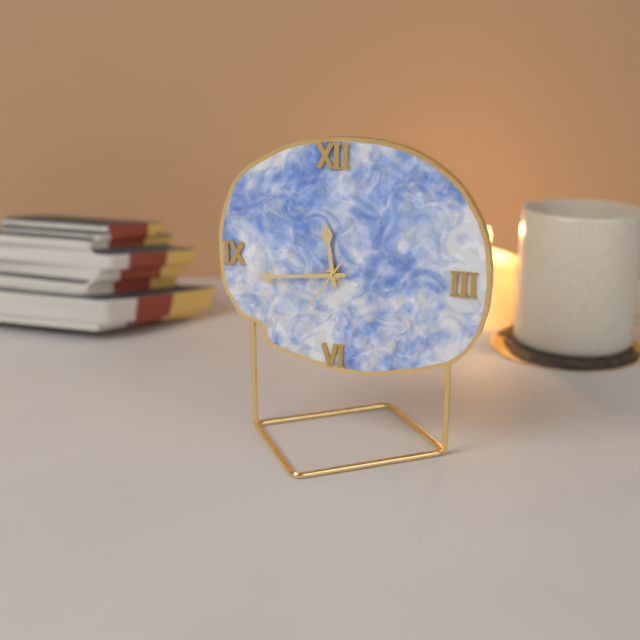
11 h 44 min 36 s
